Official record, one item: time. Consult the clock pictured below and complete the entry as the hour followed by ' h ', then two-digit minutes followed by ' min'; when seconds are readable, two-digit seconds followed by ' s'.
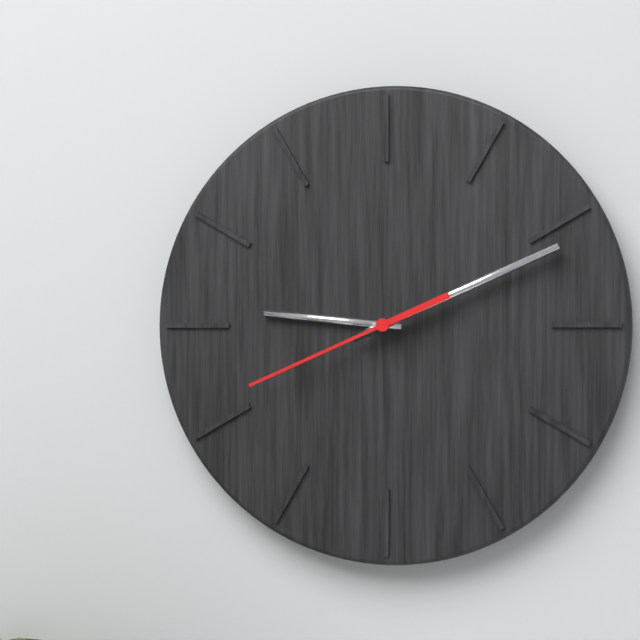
9 h 11 min 41 s
